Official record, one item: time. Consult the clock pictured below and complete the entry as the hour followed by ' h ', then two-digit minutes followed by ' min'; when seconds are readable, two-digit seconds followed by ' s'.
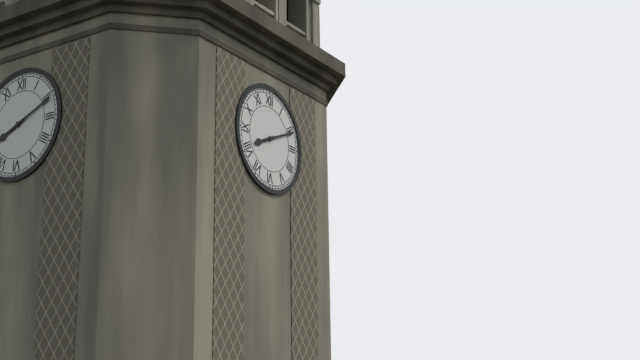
8 h 11 min
